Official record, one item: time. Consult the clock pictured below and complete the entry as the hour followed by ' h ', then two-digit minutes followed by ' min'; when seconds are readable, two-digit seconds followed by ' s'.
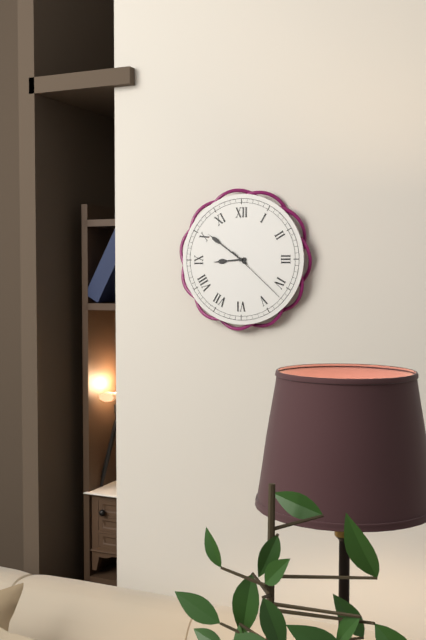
8 h 51 min 22 s
